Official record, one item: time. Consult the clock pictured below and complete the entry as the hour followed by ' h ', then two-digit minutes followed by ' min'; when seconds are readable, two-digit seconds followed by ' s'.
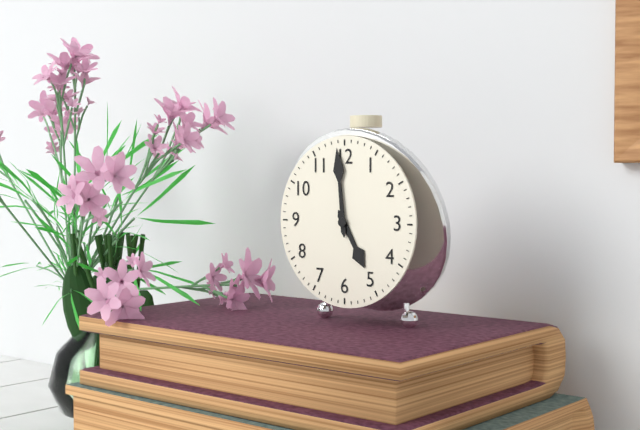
4 h 59 min
